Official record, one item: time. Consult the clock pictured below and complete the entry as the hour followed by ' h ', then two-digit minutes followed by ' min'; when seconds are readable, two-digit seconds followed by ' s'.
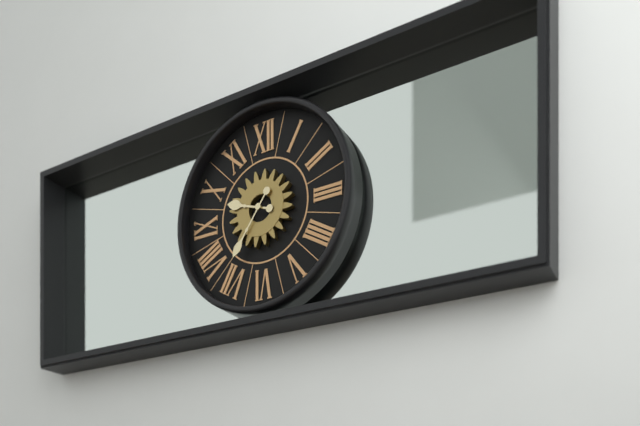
9 h 36 min
